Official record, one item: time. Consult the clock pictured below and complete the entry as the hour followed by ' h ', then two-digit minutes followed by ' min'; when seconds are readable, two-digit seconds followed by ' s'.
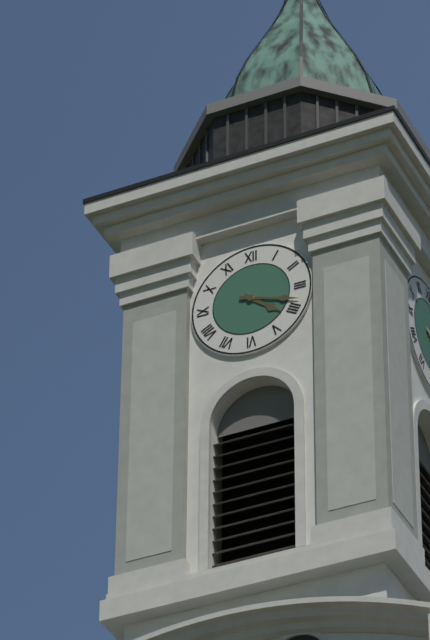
4 h 18 min
